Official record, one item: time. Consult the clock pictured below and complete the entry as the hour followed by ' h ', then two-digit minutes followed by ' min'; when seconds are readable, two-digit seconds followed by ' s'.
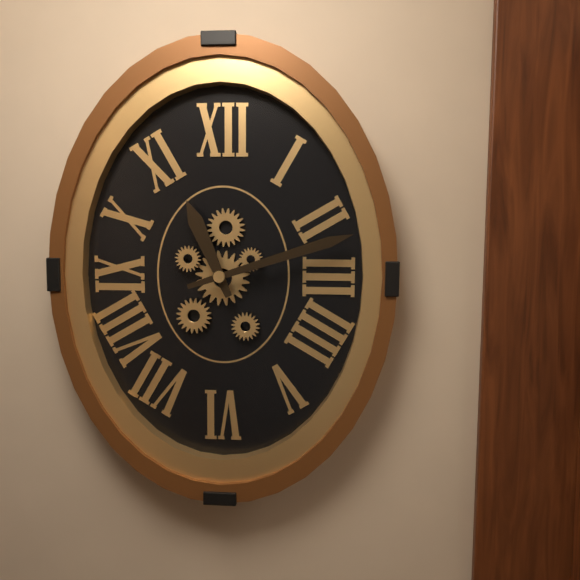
11 h 12 min
